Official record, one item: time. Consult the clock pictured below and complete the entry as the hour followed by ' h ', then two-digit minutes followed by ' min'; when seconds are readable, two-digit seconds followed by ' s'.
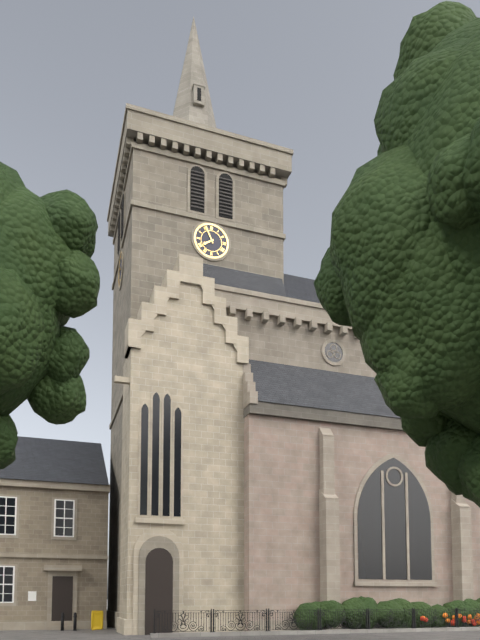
7 h 56 min
